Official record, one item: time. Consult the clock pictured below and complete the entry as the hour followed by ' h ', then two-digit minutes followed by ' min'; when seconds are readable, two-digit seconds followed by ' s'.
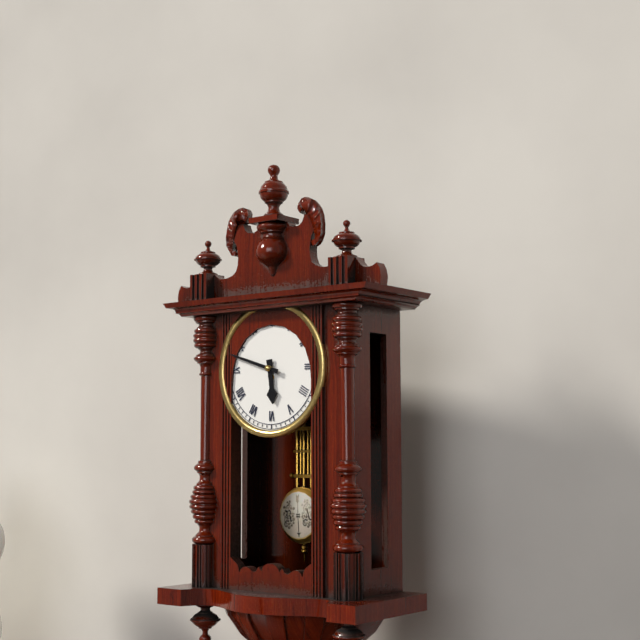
5 h 48 min
